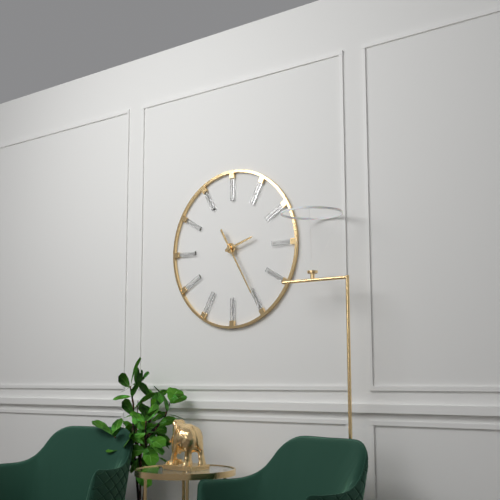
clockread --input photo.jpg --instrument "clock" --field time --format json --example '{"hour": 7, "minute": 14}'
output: {"hour": 2, "minute": 25}
